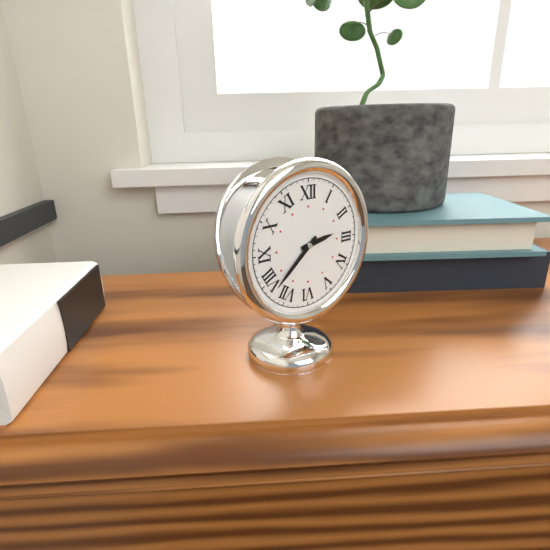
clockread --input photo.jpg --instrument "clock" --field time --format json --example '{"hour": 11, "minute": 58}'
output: {"hour": 2, "minute": 38}
